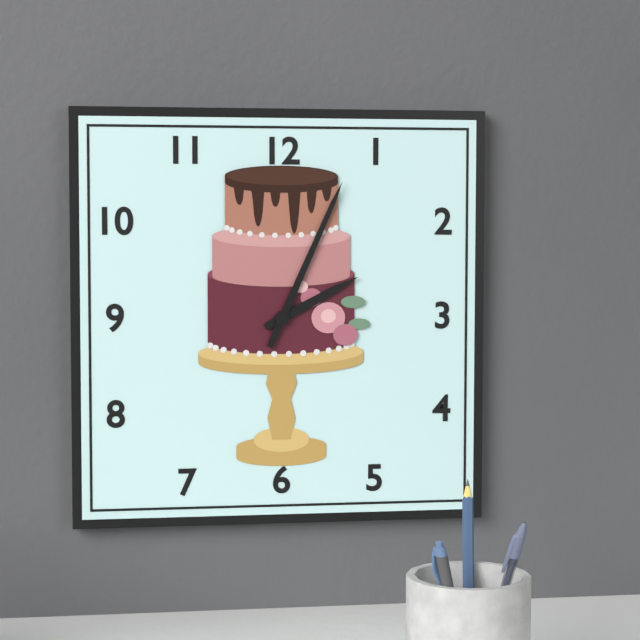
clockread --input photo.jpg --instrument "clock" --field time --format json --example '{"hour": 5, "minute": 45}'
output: {"hour": 2, "minute": 4}
